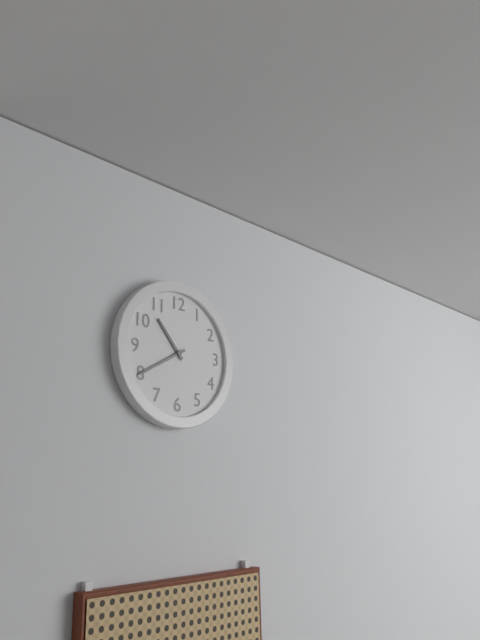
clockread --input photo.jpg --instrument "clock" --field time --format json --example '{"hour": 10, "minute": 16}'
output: {"hour": 10, "minute": 40}
